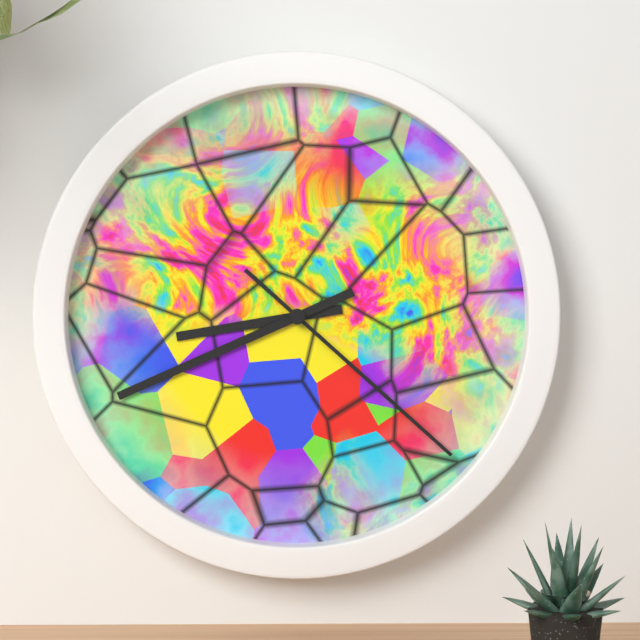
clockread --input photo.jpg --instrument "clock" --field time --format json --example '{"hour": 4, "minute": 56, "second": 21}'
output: {"hour": 8, "minute": 41, "second": 22}
